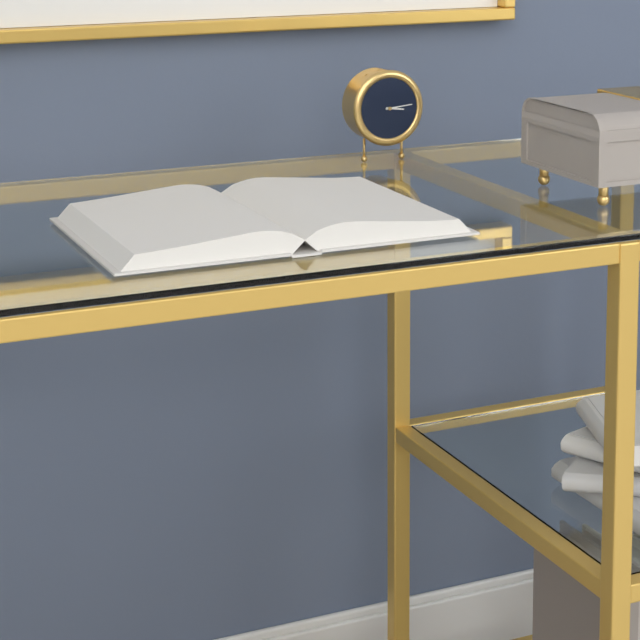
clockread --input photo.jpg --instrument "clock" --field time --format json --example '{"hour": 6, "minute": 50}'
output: {"hour": 3, "minute": 14}
